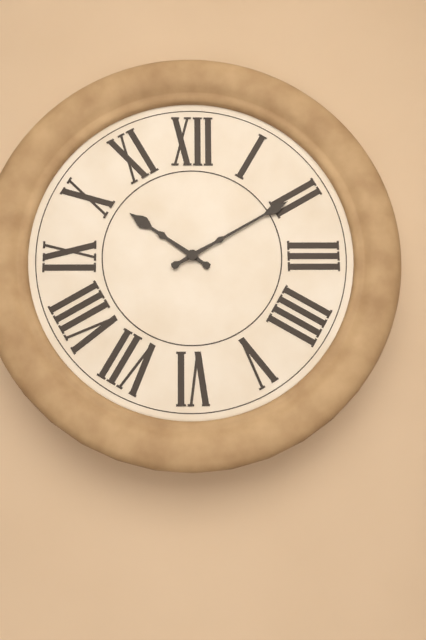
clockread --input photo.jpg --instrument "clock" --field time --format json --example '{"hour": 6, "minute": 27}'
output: {"hour": 10, "minute": 10}
